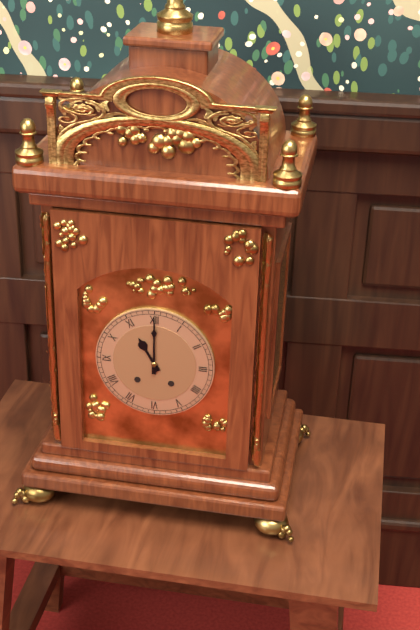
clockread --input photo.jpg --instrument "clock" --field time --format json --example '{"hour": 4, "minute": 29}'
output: {"hour": 11, "minute": 0}
